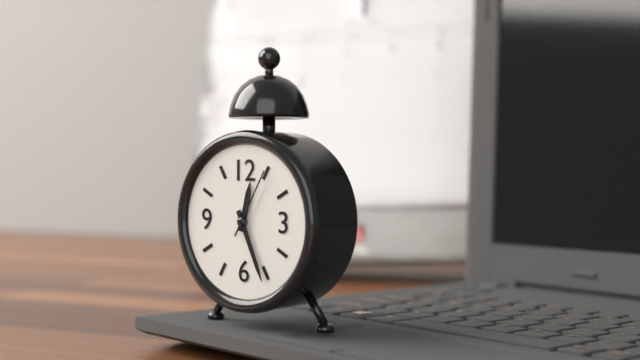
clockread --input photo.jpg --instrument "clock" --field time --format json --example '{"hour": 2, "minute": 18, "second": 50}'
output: {"hour": 12, "minute": 26, "second": 5}
